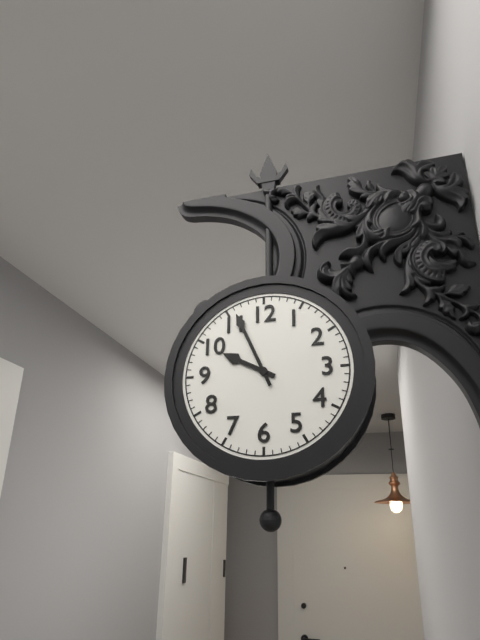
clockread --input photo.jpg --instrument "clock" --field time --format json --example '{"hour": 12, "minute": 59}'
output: {"hour": 9, "minute": 56}
